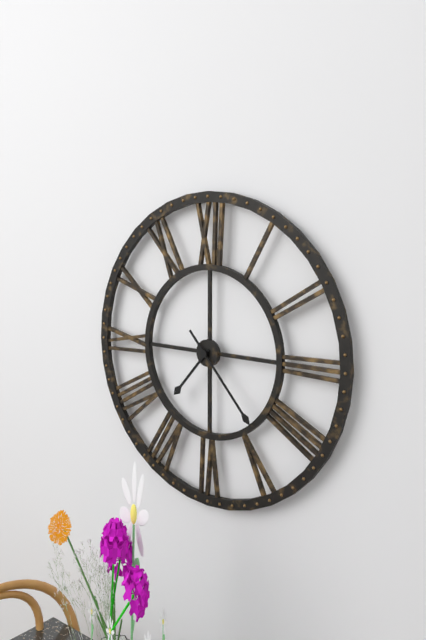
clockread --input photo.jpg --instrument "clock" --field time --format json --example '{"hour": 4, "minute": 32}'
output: {"hour": 7, "minute": 23}
